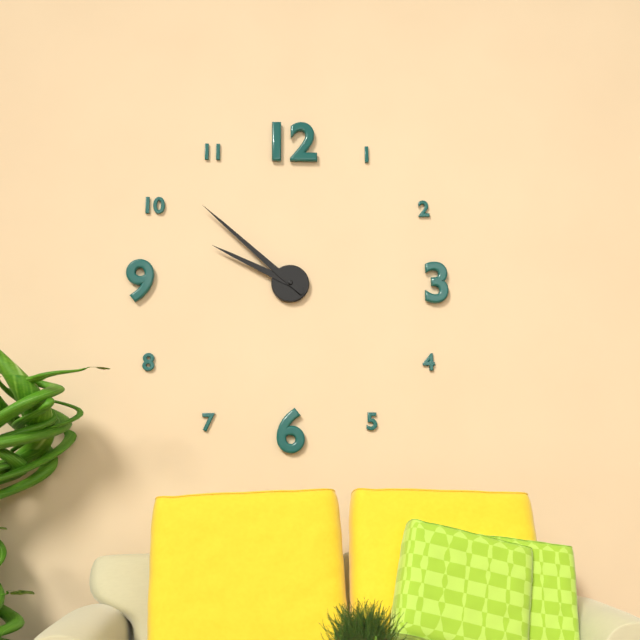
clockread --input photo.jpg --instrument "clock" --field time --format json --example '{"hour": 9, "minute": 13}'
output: {"hour": 9, "minute": 52}
